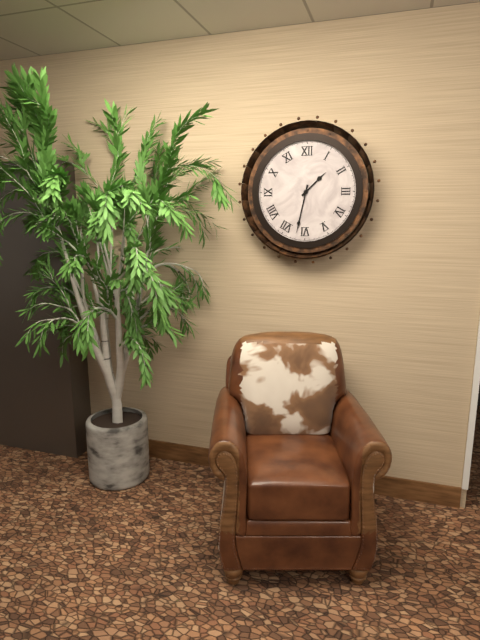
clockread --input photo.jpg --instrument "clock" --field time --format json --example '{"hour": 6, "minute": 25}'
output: {"hour": 1, "minute": 32}
